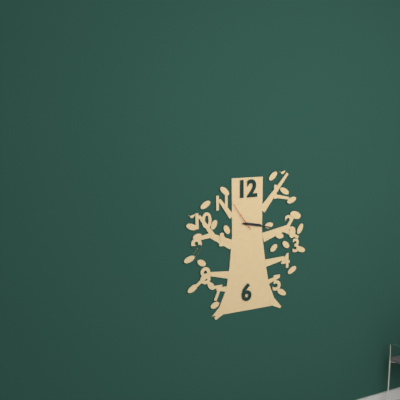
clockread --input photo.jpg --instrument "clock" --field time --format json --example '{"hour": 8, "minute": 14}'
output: {"hour": 3, "minute": 17}
